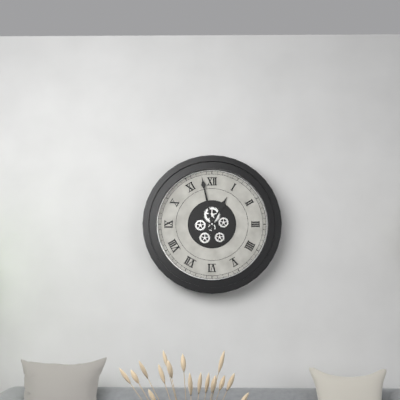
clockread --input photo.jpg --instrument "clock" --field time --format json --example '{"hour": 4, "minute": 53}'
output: {"hour": 12, "minute": 58}
